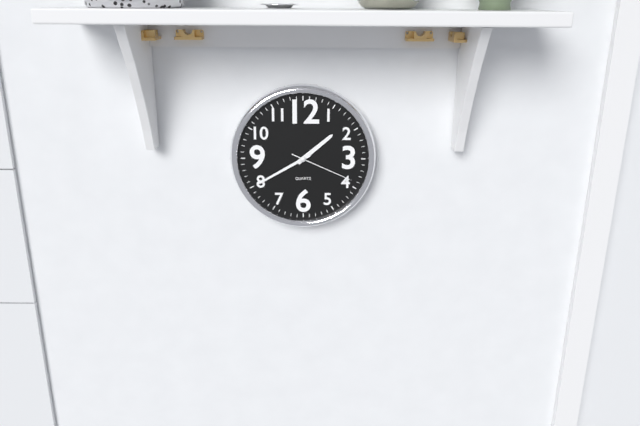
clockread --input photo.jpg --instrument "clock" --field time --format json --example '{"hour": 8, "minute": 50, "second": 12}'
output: {"hour": 1, "minute": 40, "second": 19}
